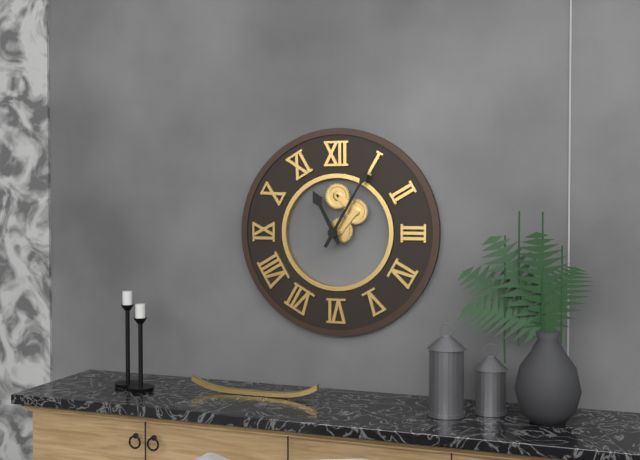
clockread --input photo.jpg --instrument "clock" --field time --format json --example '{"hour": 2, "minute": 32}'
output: {"hour": 11, "minute": 5}
